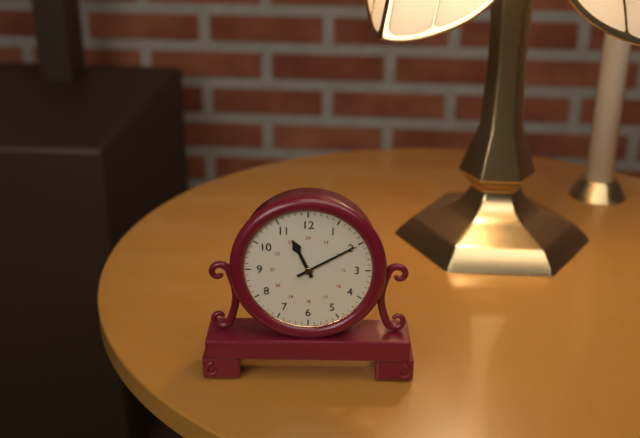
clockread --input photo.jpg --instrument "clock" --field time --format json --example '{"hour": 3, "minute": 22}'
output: {"hour": 11, "minute": 10}
